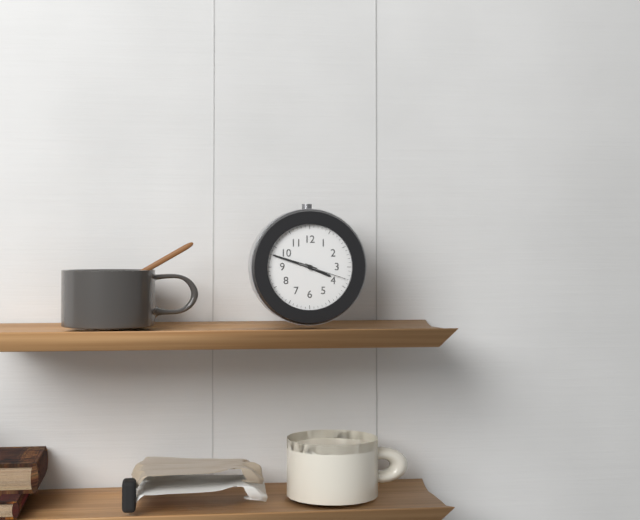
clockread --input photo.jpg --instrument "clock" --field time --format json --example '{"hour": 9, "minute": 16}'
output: {"hour": 3, "minute": 48}
